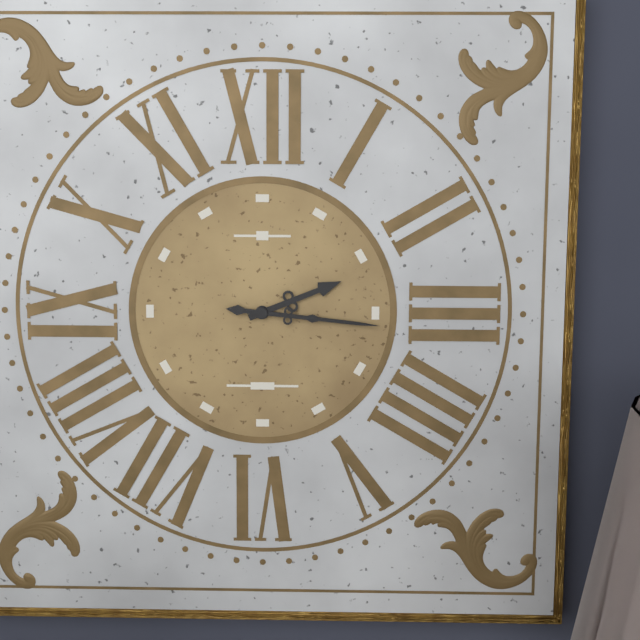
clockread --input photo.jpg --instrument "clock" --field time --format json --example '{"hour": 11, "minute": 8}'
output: {"hour": 2, "minute": 16}
